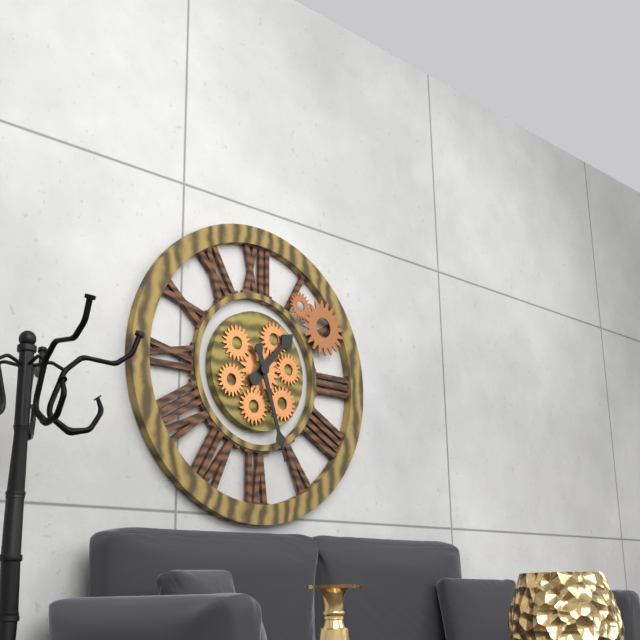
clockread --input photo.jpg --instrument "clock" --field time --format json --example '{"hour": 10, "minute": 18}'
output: {"hour": 1, "minute": 27}
